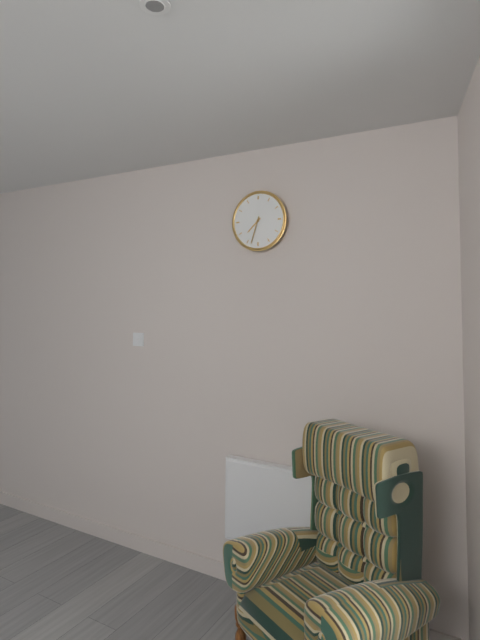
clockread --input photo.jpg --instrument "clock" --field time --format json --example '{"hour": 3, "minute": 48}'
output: {"hour": 7, "minute": 33}
